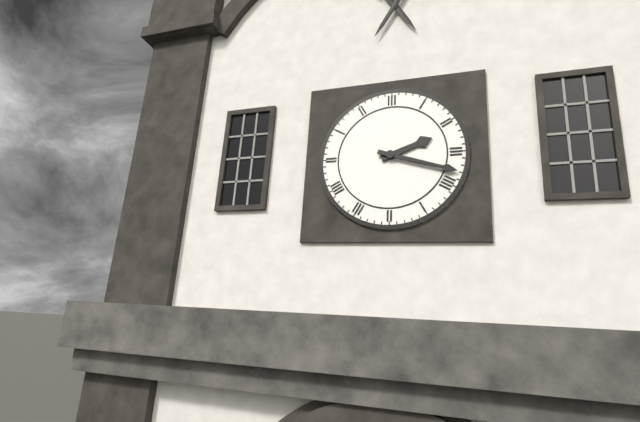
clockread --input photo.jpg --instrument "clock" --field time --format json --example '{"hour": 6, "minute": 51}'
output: {"hour": 2, "minute": 18}
